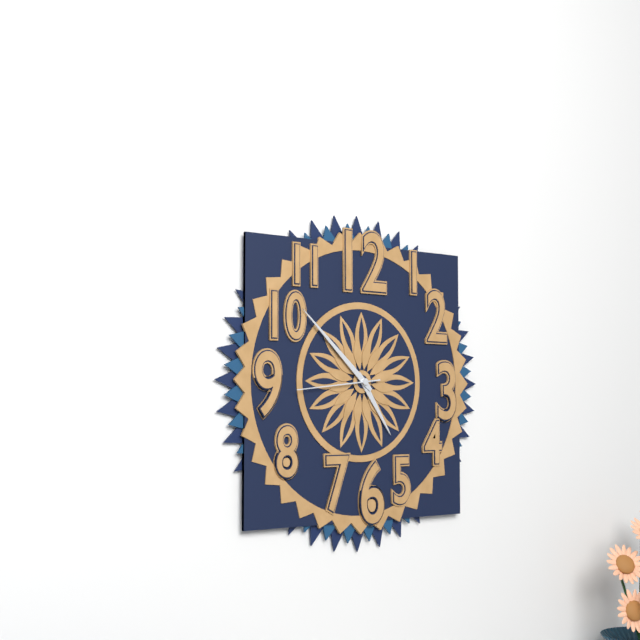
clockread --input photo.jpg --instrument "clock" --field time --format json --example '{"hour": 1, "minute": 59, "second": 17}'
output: {"hour": 4, "minute": 52, "second": 44}
